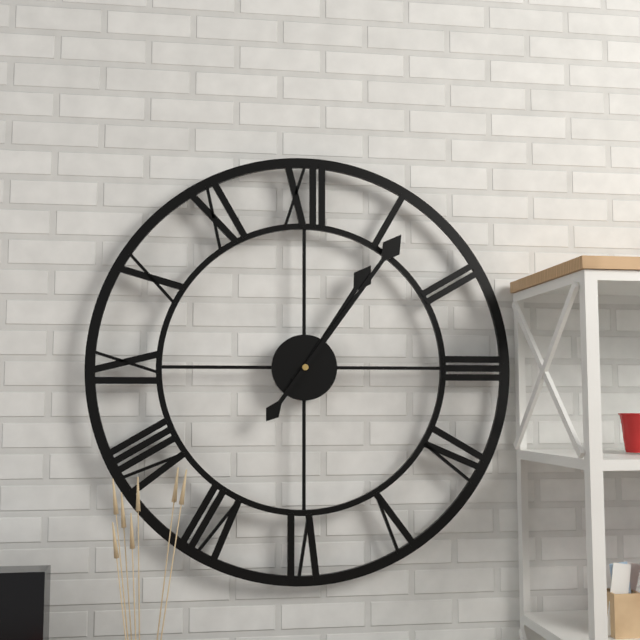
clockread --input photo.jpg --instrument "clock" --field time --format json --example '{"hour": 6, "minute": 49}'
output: {"hour": 1, "minute": 6}
